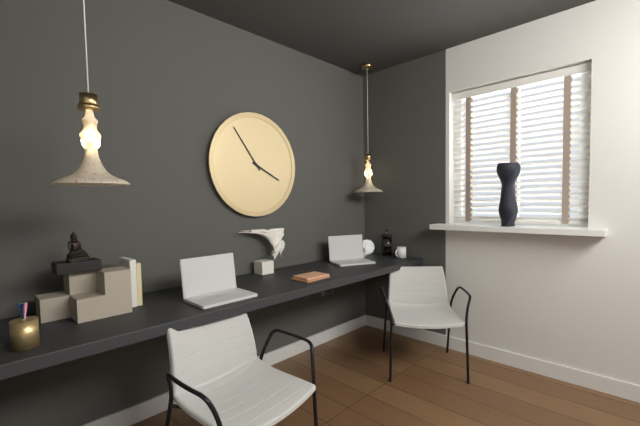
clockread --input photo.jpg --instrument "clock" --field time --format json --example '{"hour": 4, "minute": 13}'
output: {"hour": 3, "minute": 54}
